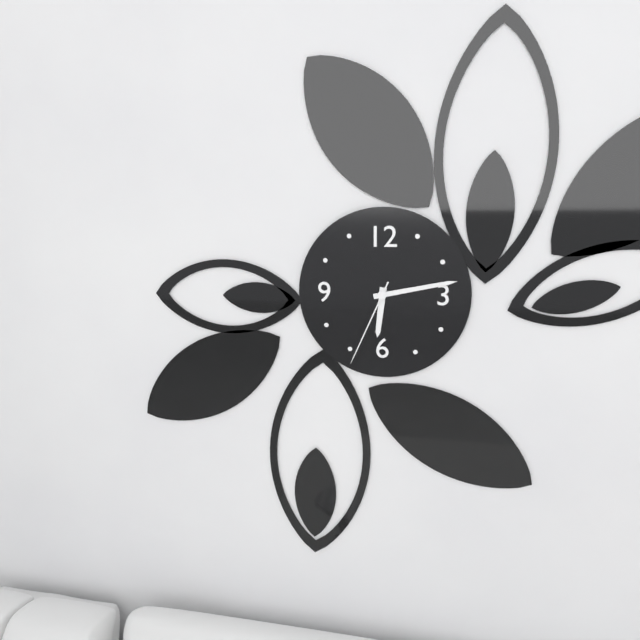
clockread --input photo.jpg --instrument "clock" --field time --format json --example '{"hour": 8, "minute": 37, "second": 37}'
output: {"hour": 6, "minute": 13, "second": 34}
